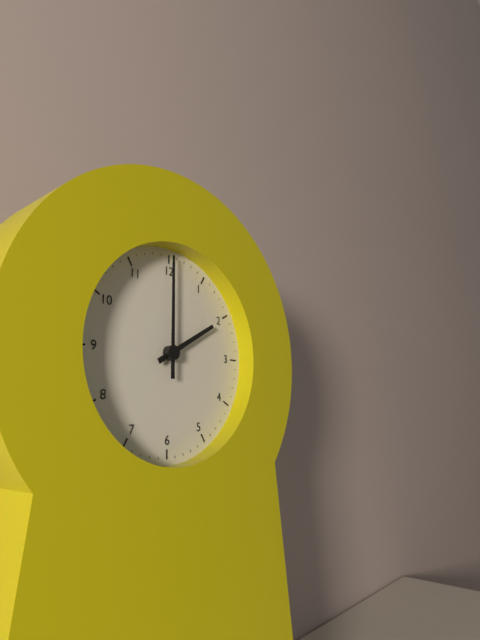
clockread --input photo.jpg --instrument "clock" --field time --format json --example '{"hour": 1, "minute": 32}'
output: {"hour": 2, "minute": 0}
